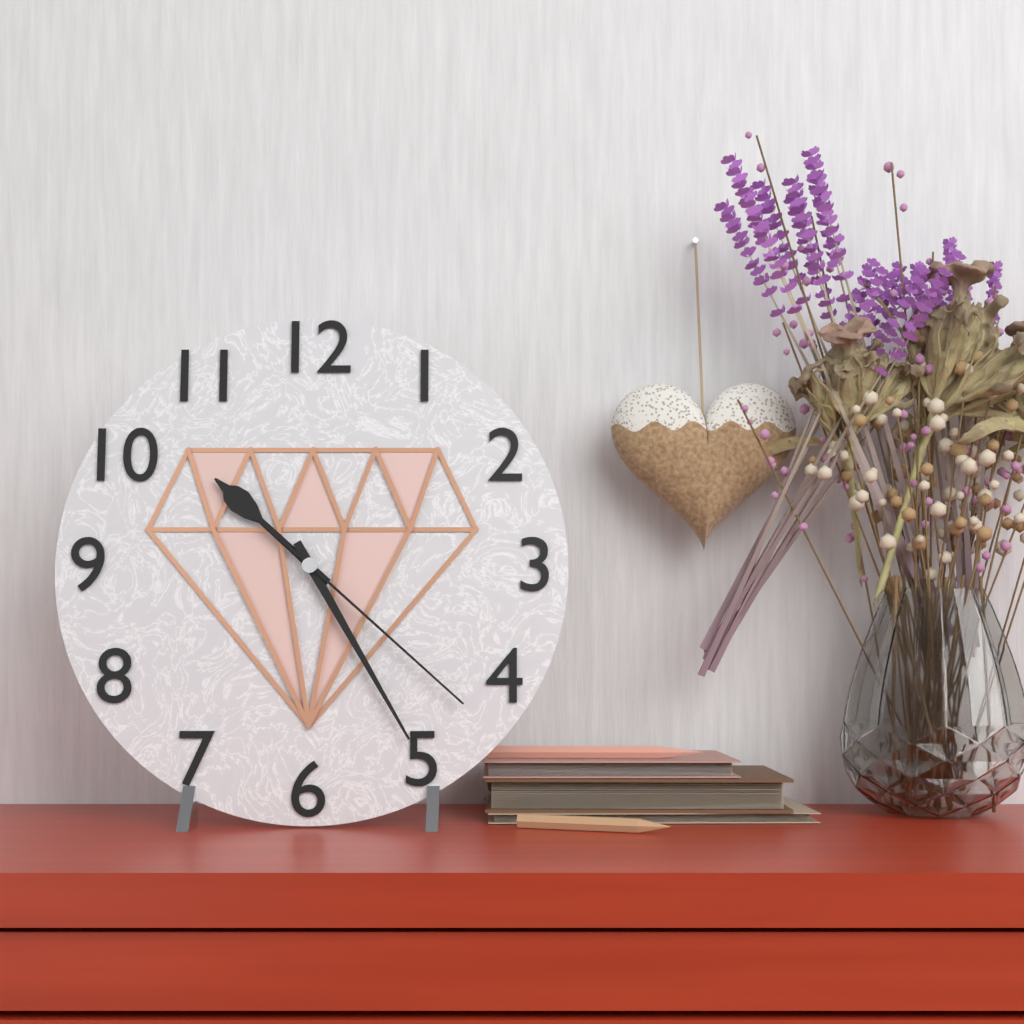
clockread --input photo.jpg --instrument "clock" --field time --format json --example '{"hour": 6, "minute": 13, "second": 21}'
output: {"hour": 10, "minute": 25, "second": 22}
